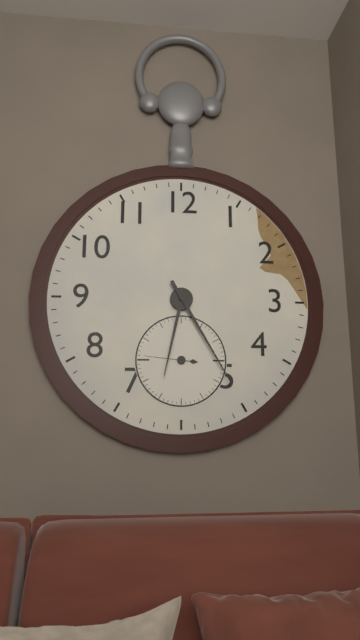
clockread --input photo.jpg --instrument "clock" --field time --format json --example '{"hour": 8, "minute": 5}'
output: {"hour": 6, "minute": 25}
